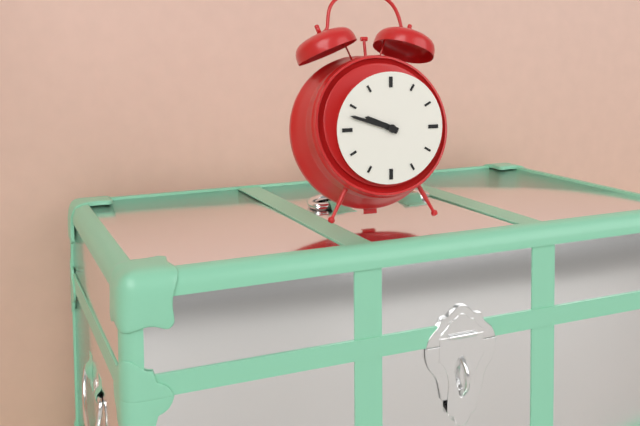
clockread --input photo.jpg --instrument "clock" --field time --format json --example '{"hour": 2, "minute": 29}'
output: {"hour": 9, "minute": 48}
